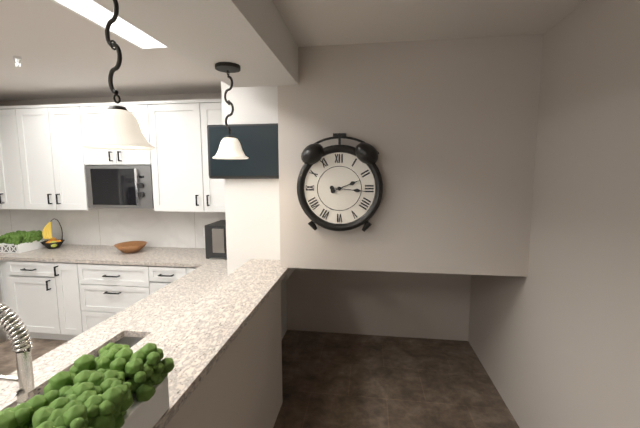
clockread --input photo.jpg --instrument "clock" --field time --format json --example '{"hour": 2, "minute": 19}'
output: {"hour": 2, "minute": 16}
